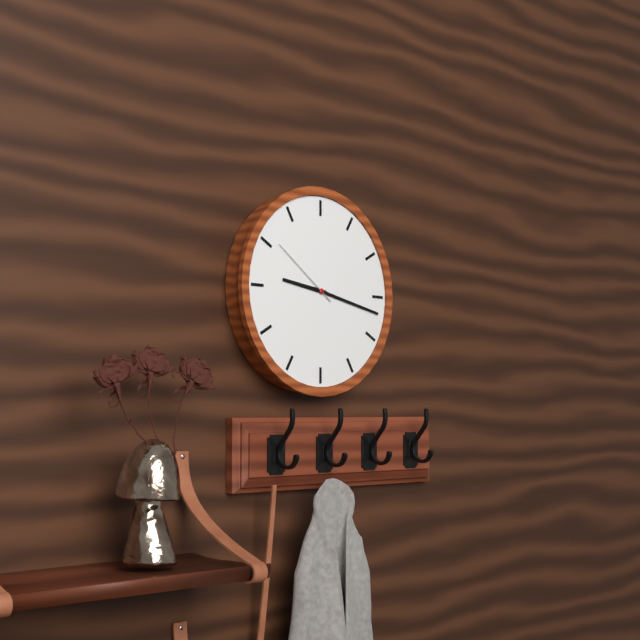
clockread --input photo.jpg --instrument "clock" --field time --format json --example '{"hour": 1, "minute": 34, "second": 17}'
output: {"hour": 9, "minute": 17, "second": 51}
